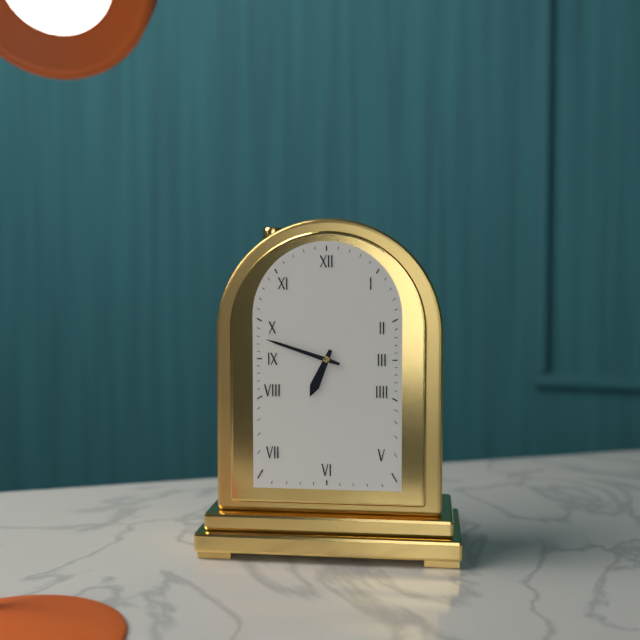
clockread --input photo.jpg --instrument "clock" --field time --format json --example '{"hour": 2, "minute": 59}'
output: {"hour": 6, "minute": 48}
